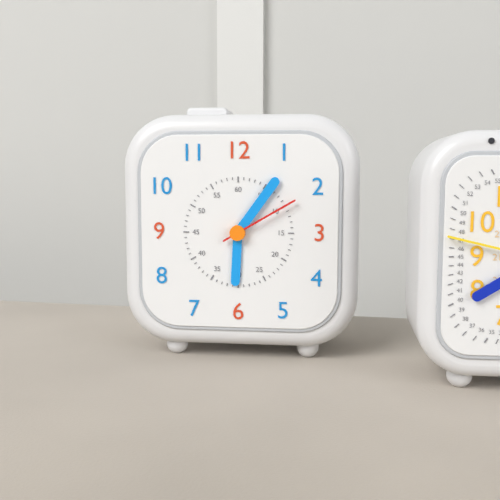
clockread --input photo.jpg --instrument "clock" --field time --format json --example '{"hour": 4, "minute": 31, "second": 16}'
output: {"hour": 6, "minute": 6, "second": 10}
